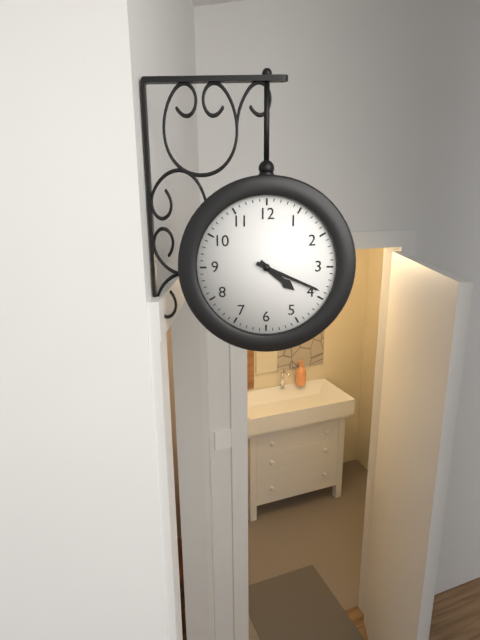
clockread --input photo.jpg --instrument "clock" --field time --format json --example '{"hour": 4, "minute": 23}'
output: {"hour": 4, "minute": 19}
